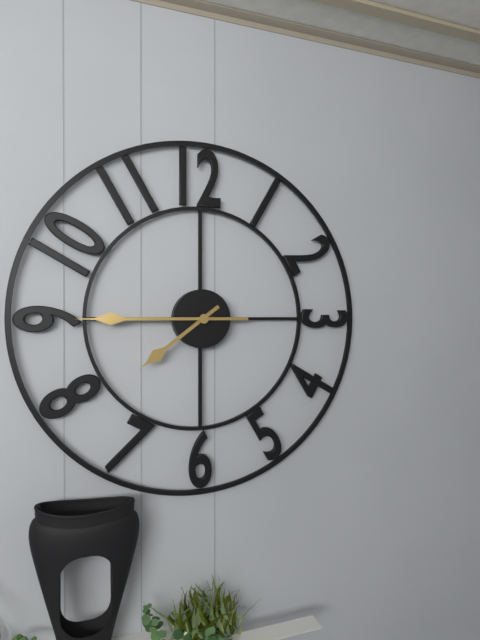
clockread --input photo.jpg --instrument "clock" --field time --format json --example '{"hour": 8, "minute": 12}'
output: {"hour": 7, "minute": 45}
